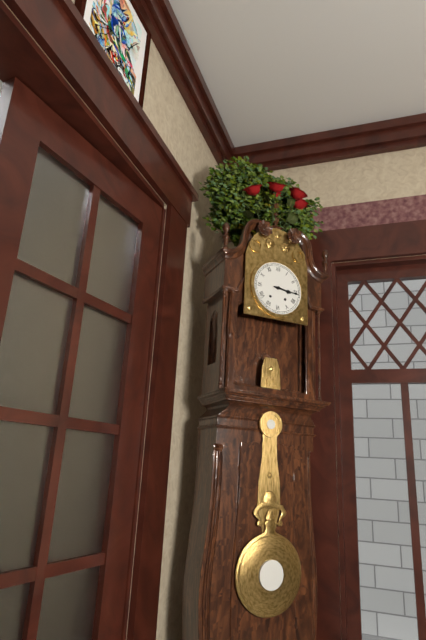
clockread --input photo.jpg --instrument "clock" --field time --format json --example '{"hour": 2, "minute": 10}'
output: {"hour": 3, "minute": 16}
